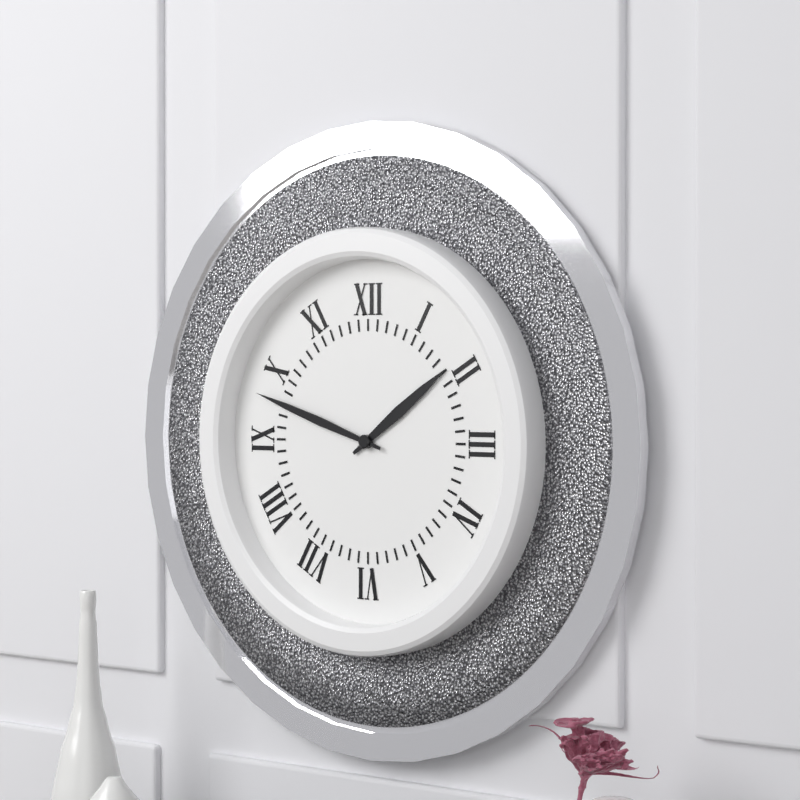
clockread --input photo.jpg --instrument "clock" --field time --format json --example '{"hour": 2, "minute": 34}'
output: {"hour": 1, "minute": 48}
